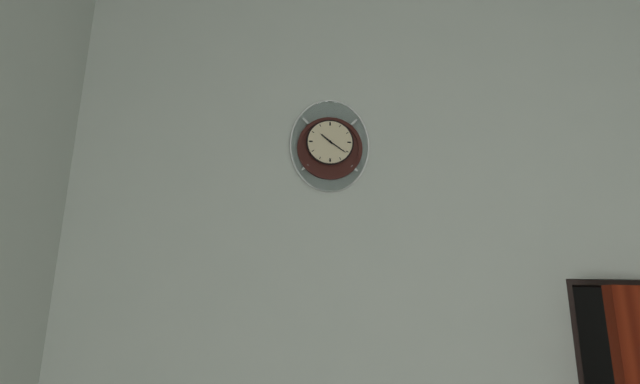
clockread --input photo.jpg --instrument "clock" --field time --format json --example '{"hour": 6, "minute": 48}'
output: {"hour": 10, "minute": 21}
